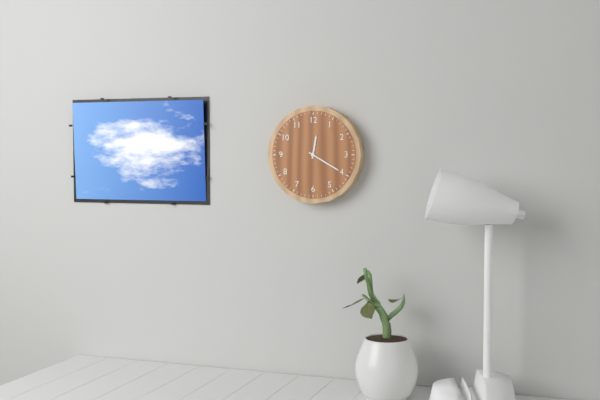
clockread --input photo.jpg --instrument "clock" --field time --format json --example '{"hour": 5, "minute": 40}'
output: {"hour": 12, "minute": 20}
